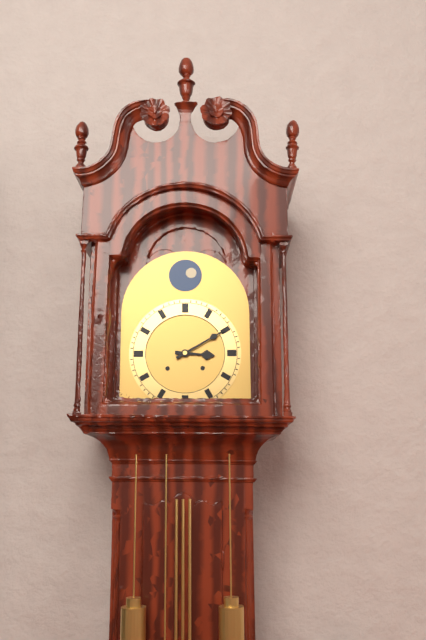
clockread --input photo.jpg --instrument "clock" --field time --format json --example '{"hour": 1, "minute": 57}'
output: {"hour": 3, "minute": 10}
